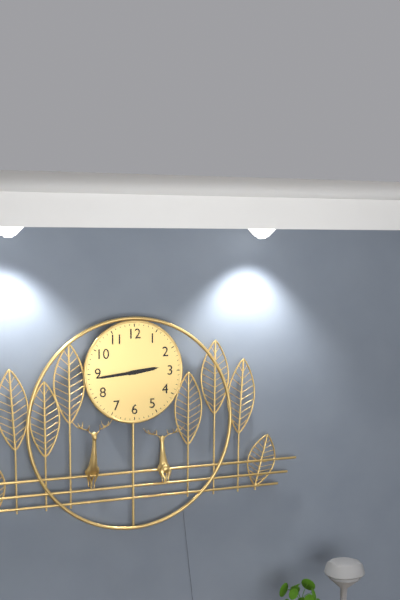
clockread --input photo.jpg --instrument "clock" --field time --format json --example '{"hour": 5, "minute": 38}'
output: {"hour": 2, "minute": 44}
